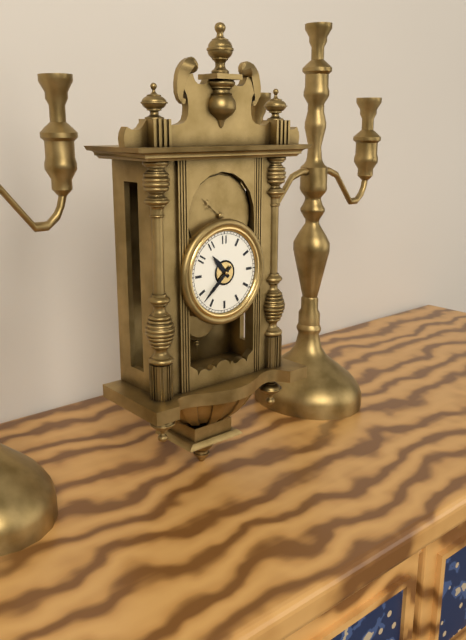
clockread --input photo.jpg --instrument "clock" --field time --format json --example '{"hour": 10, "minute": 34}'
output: {"hour": 10, "minute": 38}
